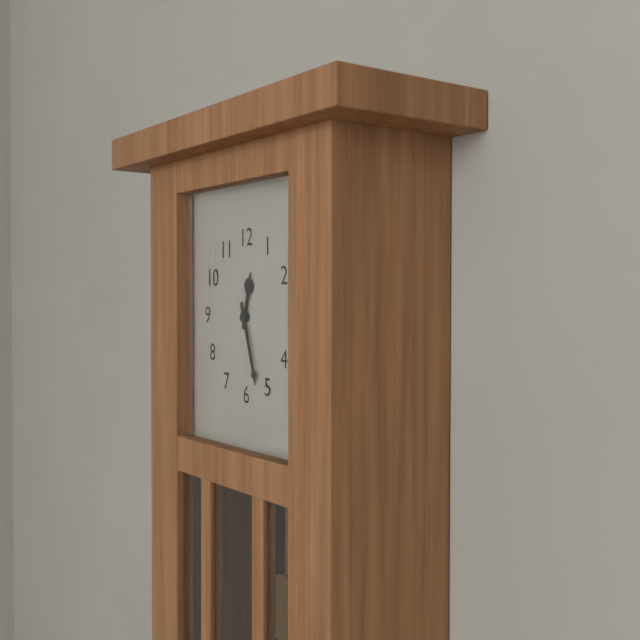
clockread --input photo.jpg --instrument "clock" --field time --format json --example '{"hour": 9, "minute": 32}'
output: {"hour": 12, "minute": 27}
